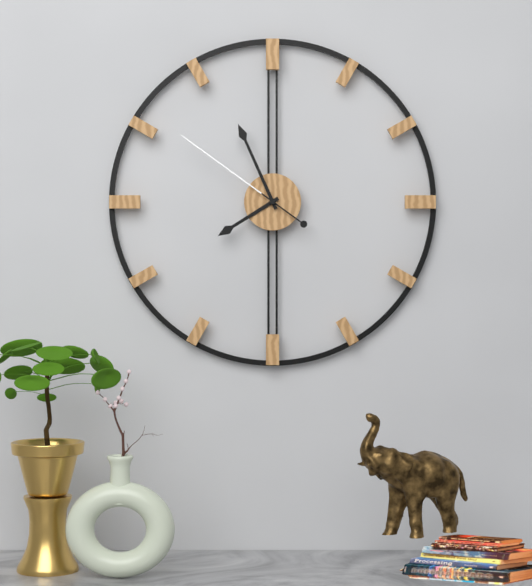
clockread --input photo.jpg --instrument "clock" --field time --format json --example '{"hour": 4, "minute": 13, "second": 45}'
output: {"hour": 7, "minute": 56, "second": 51}
